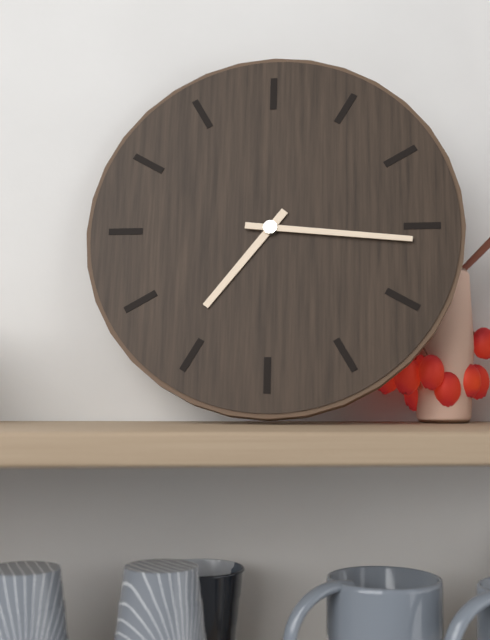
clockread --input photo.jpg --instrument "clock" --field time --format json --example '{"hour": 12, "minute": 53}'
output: {"hour": 7, "minute": 16}
